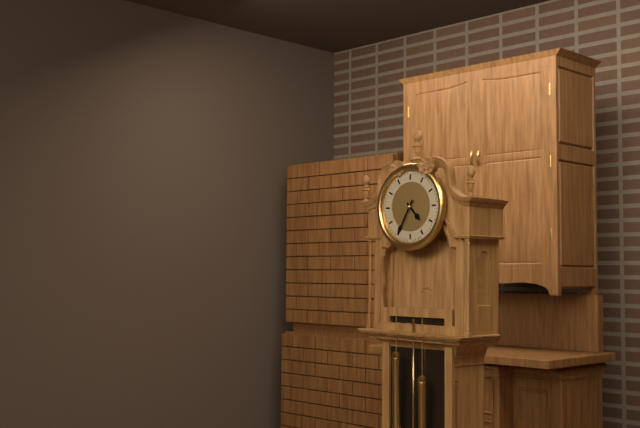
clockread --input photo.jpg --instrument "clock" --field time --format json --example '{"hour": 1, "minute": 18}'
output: {"hour": 4, "minute": 35}
